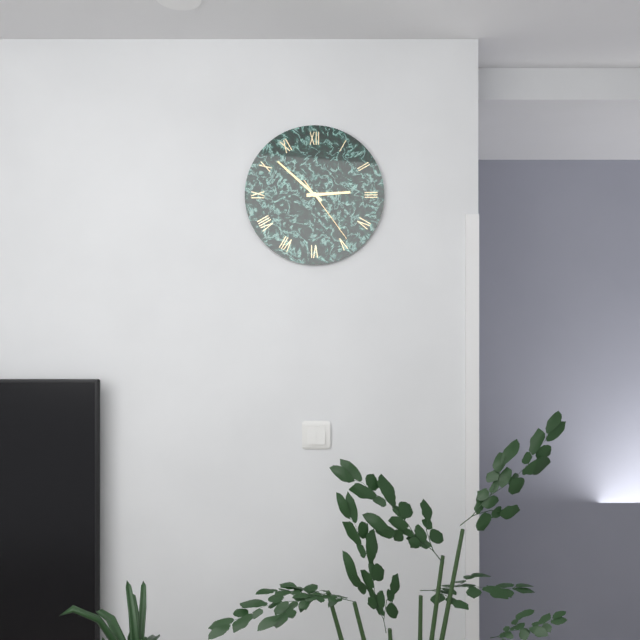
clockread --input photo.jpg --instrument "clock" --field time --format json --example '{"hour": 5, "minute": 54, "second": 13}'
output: {"hour": 2, "minute": 52, "second": 24}
